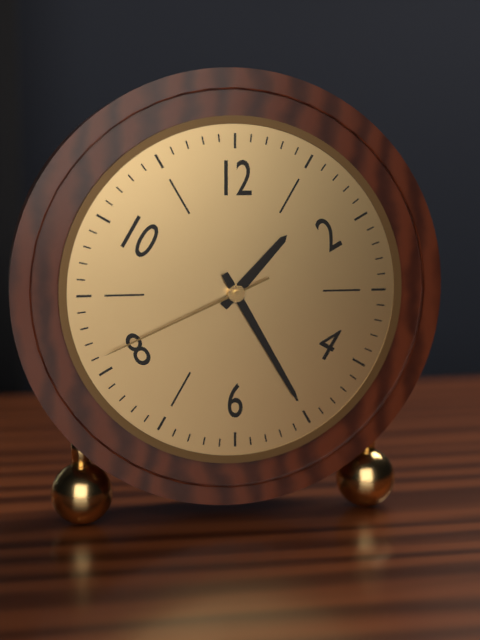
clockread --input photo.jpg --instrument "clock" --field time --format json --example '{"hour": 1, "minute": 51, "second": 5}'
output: {"hour": 1, "minute": 25, "second": 41}
